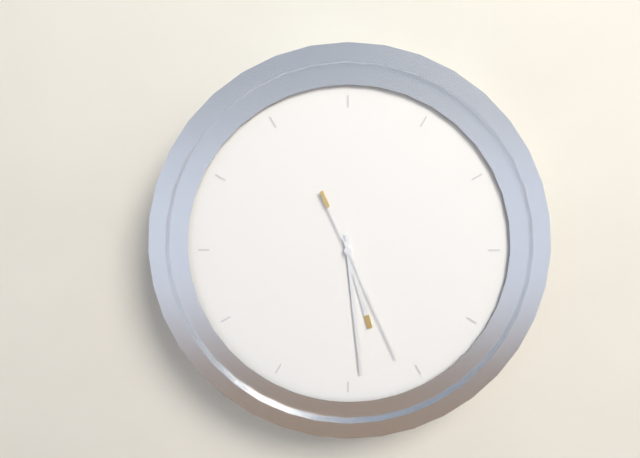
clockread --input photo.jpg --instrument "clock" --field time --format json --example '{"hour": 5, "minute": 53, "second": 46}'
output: {"hour": 5, "minute": 29, "second": 26}
